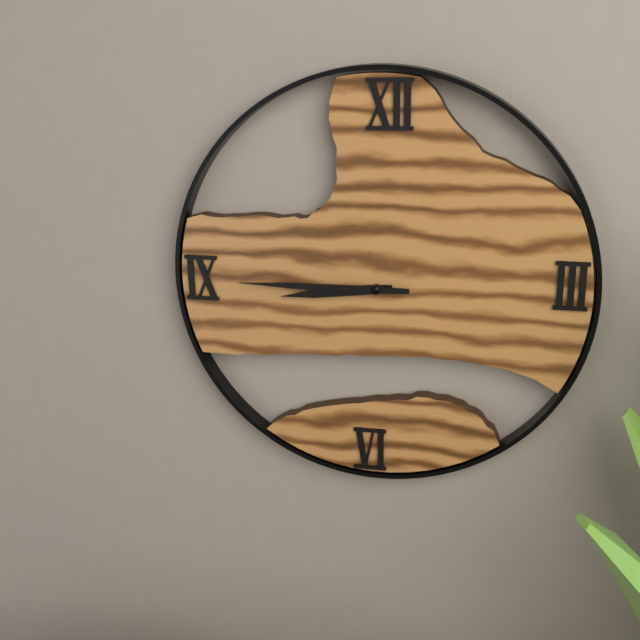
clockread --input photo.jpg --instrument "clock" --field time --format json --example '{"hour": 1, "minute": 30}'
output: {"hour": 8, "minute": 45}
